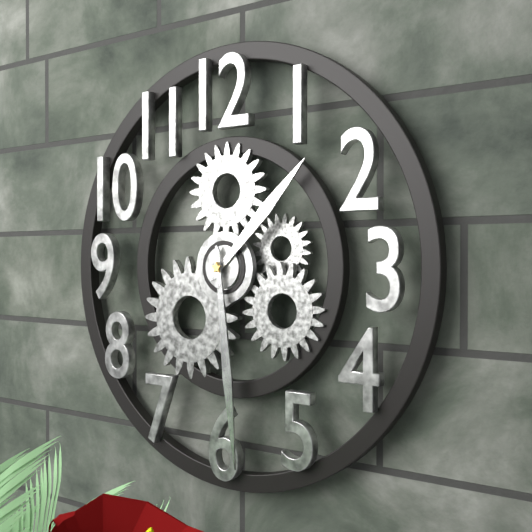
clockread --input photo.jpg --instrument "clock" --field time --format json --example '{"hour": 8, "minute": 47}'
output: {"hour": 1, "minute": 29}
